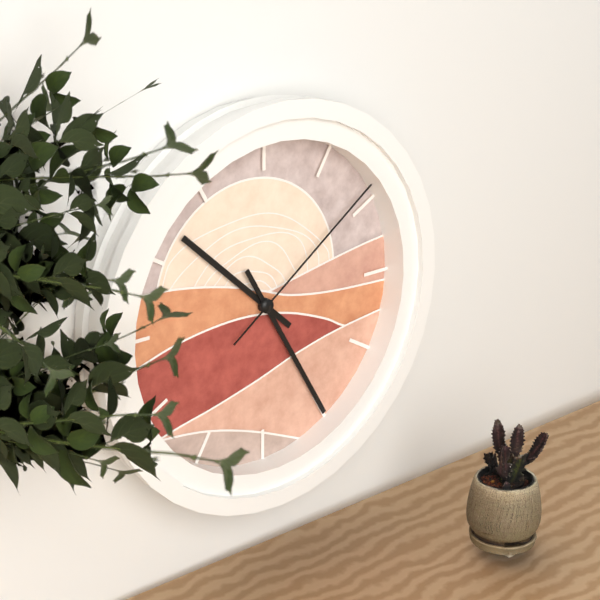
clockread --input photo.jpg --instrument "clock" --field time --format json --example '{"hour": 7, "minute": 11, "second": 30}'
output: {"hour": 10, "minute": 25, "second": 9}
